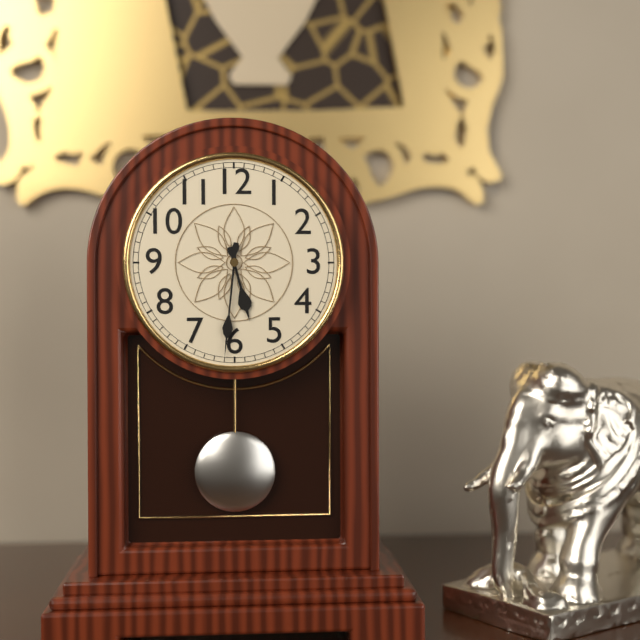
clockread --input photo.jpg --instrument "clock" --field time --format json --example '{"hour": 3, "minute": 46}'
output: {"hour": 5, "minute": 31}
